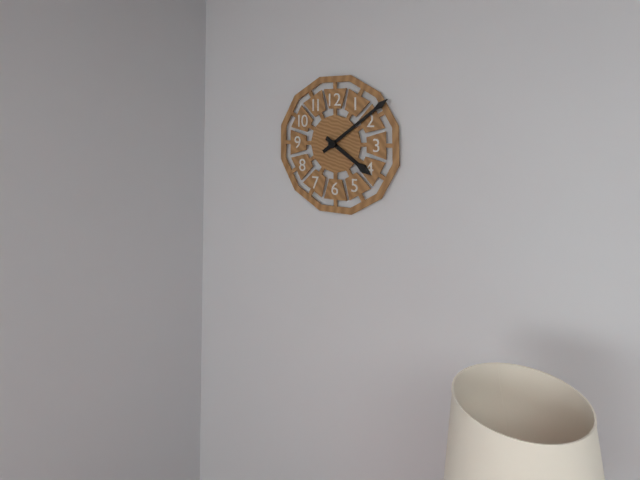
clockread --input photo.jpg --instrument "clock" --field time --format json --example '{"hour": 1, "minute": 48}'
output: {"hour": 4, "minute": 9}
